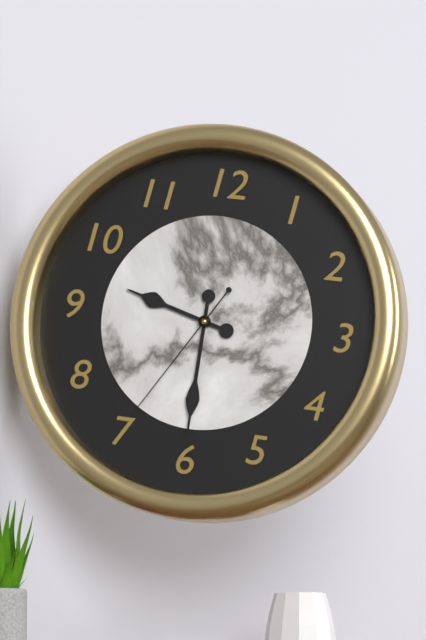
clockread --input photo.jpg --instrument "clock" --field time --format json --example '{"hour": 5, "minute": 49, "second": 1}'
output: {"hour": 9, "minute": 30, "second": 35}
